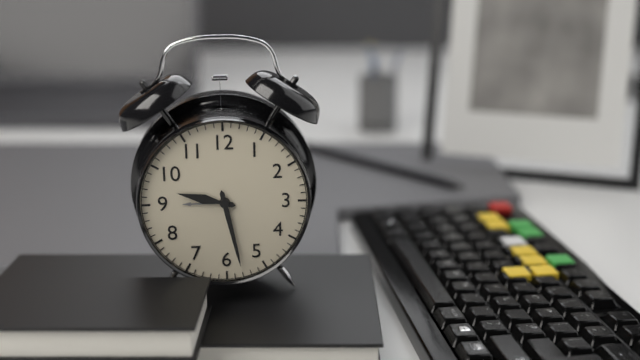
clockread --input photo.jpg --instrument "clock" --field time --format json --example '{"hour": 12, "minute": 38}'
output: {"hour": 9, "minute": 28}
